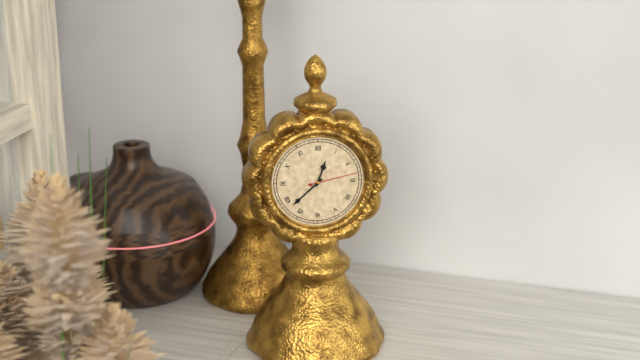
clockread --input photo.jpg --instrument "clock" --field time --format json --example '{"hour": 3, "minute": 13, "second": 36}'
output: {"hour": 12, "minute": 38, "second": 13}
